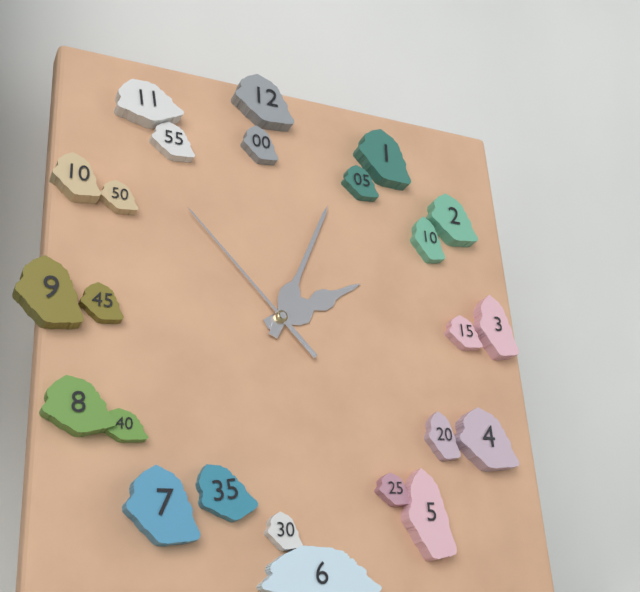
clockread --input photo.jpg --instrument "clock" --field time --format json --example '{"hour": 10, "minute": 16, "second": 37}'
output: {"hour": 2, "minute": 4, "second": 53}
